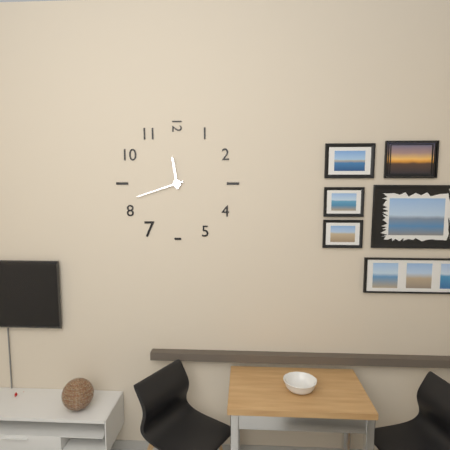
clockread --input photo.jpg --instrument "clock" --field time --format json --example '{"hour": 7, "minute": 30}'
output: {"hour": 11, "minute": 42}
